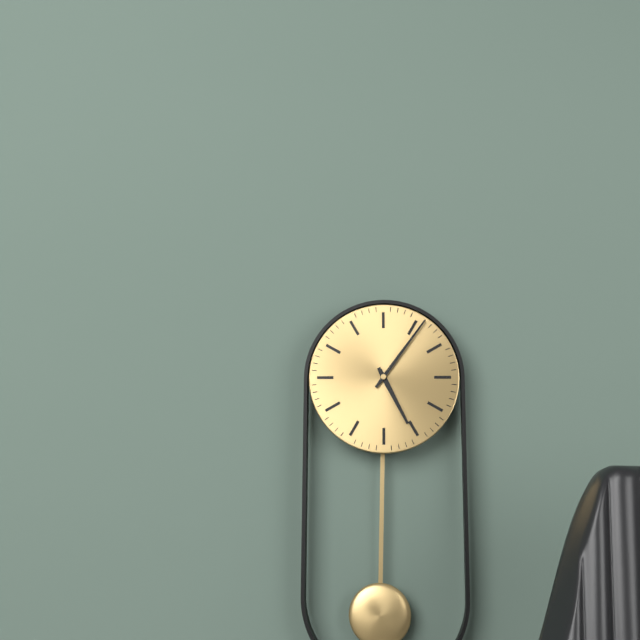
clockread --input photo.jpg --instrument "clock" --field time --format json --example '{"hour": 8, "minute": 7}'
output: {"hour": 5, "minute": 6}
